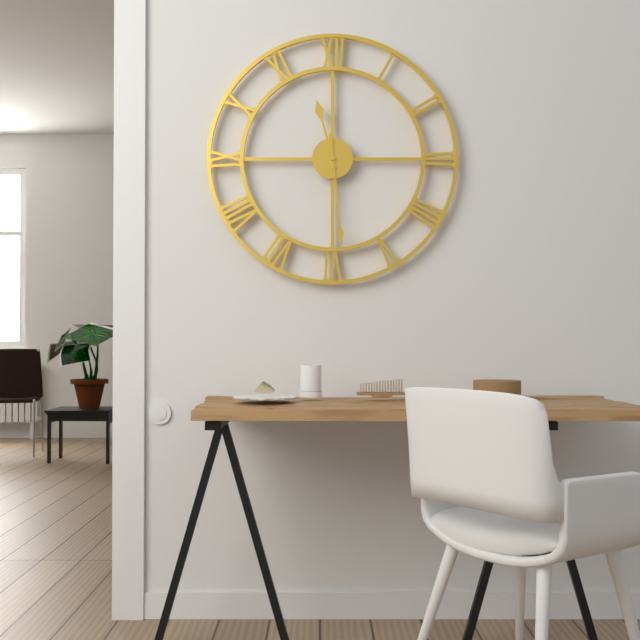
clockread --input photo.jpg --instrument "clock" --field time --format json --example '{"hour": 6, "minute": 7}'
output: {"hour": 11, "minute": 29}
